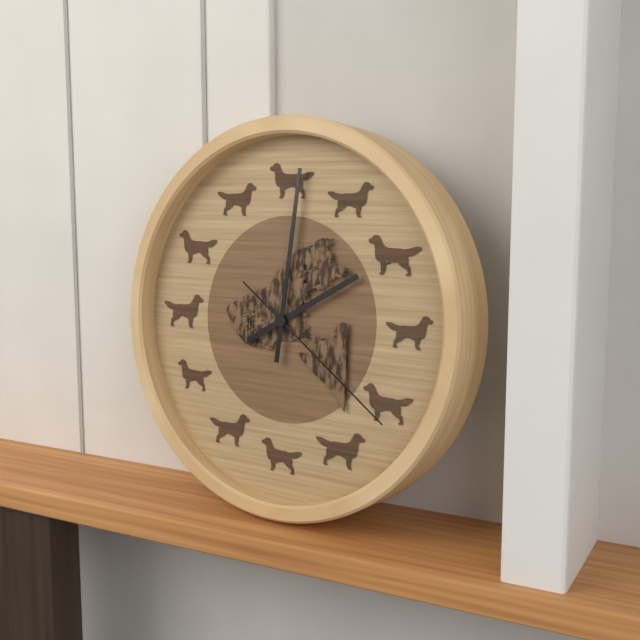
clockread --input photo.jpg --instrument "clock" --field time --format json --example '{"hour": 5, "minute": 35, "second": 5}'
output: {"hour": 2, "minute": 1, "second": 21}
